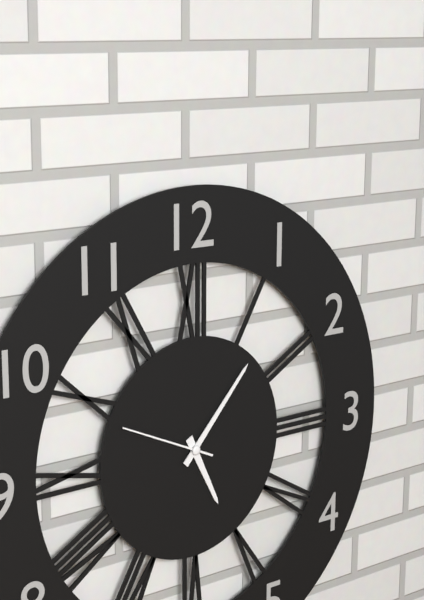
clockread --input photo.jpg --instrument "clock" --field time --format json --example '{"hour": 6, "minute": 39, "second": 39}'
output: {"hour": 5, "minute": 7, "second": 49}
